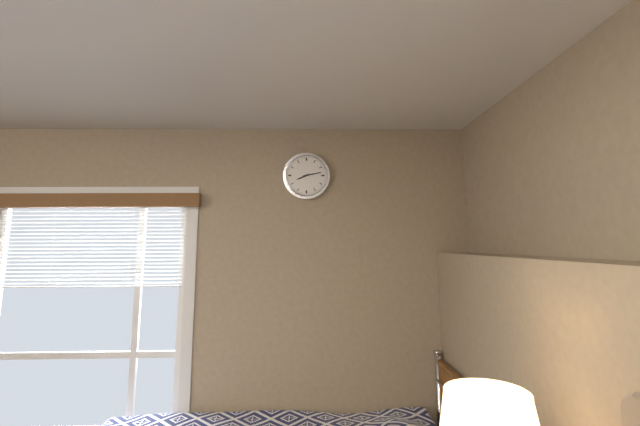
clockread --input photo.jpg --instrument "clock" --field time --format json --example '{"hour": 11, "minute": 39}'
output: {"hour": 8, "minute": 13}
